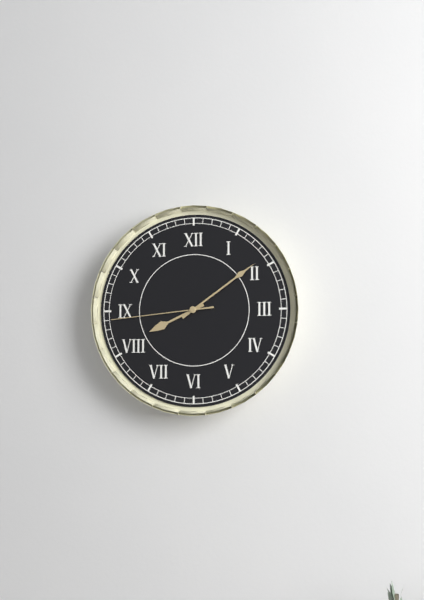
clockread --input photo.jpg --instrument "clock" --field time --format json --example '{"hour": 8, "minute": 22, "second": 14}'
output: {"hour": 8, "minute": 9, "second": 44}
